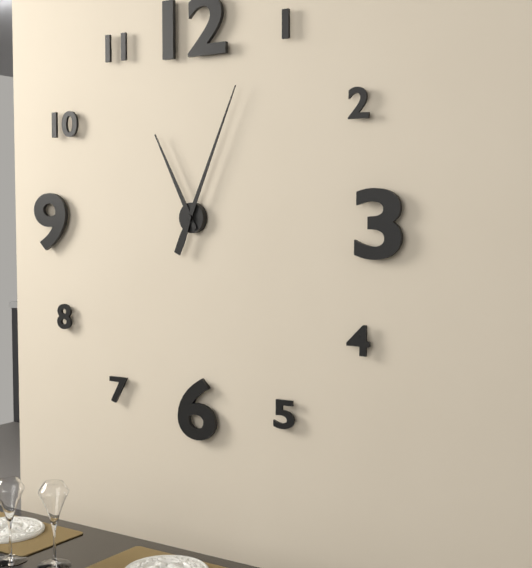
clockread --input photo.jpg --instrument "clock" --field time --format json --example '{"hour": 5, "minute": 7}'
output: {"hour": 11, "minute": 4}
